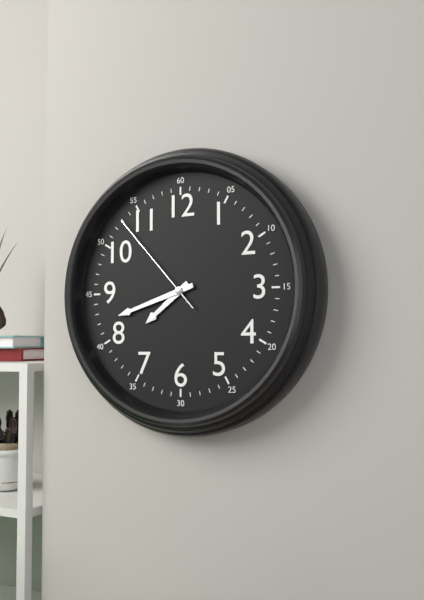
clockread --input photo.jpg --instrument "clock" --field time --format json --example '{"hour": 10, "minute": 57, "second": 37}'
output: {"hour": 7, "minute": 42, "second": 53}
